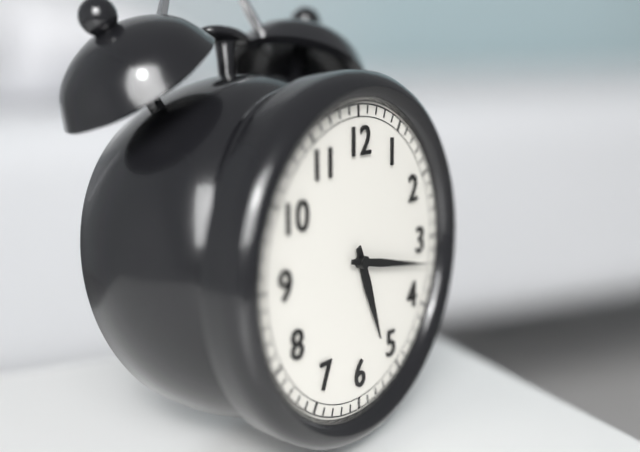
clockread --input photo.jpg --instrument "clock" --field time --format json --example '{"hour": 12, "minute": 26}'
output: {"hour": 5, "minute": 17}
